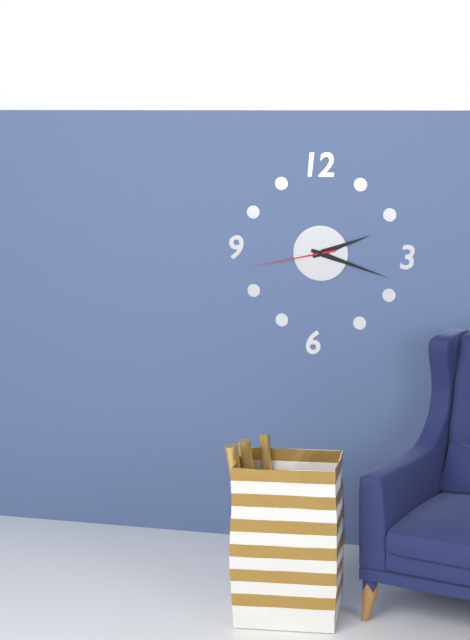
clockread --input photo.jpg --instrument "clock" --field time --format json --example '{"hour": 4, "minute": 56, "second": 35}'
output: {"hour": 2, "minute": 18, "second": 43}
